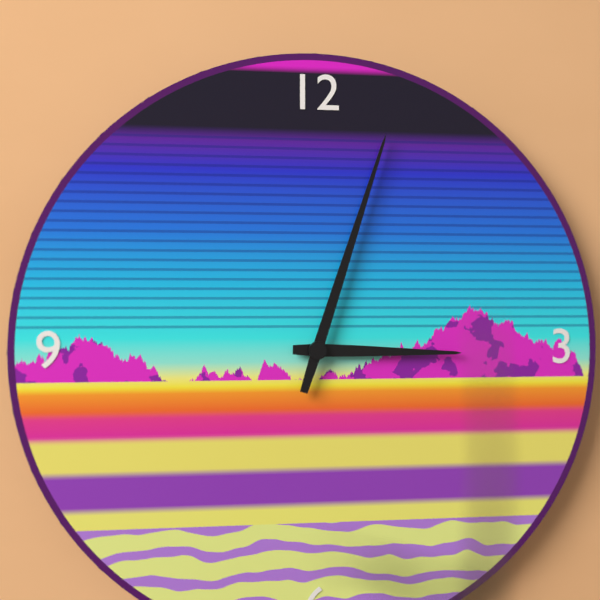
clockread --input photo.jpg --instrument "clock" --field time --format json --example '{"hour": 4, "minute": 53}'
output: {"hour": 3, "minute": 3}
